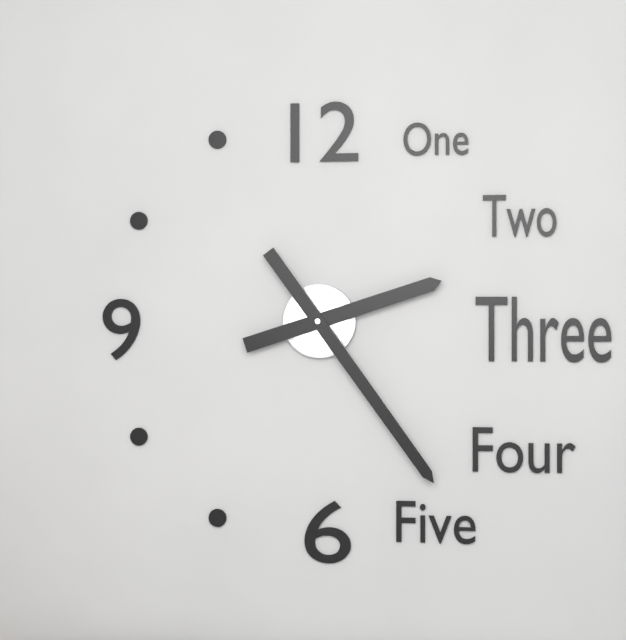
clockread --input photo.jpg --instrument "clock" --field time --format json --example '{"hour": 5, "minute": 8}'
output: {"hour": 2, "minute": 24}
